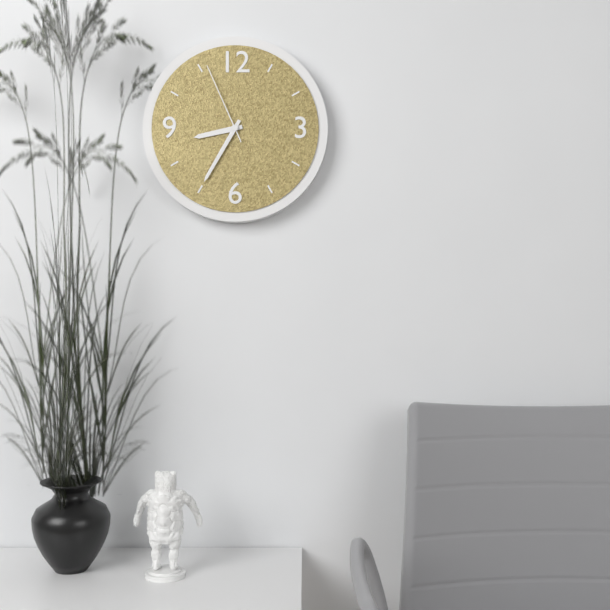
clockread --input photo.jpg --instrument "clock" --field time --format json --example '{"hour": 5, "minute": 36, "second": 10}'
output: {"hour": 8, "minute": 35, "second": 56}
